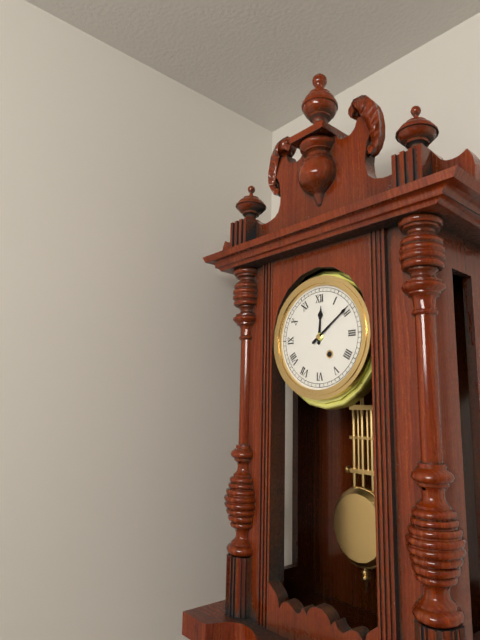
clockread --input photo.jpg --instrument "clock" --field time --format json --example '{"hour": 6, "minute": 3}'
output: {"hour": 12, "minute": 9}
